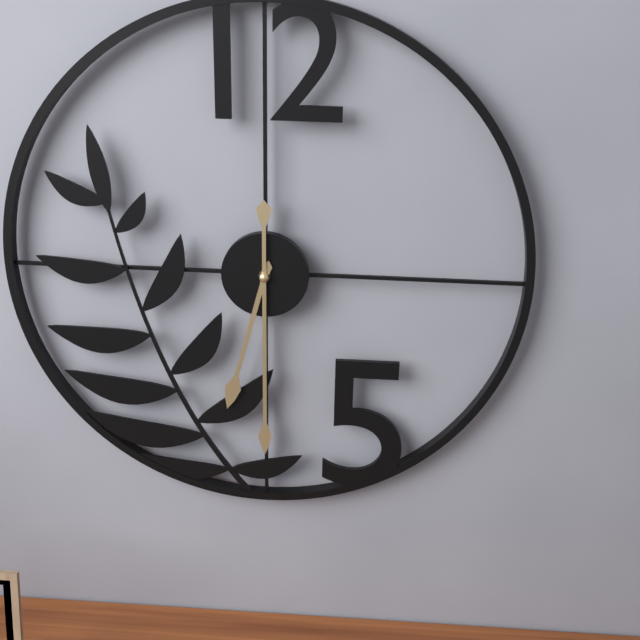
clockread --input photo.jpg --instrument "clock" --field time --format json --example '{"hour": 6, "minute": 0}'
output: {"hour": 6, "minute": 30}
